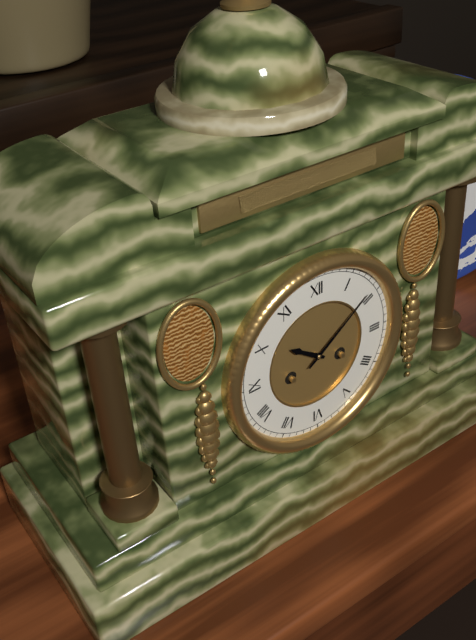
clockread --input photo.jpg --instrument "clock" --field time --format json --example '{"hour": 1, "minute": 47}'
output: {"hour": 10, "minute": 9}
